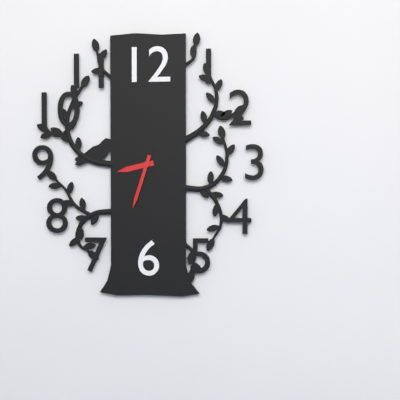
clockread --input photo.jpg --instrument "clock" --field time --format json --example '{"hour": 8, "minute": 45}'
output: {"hour": 8, "minute": 33}
